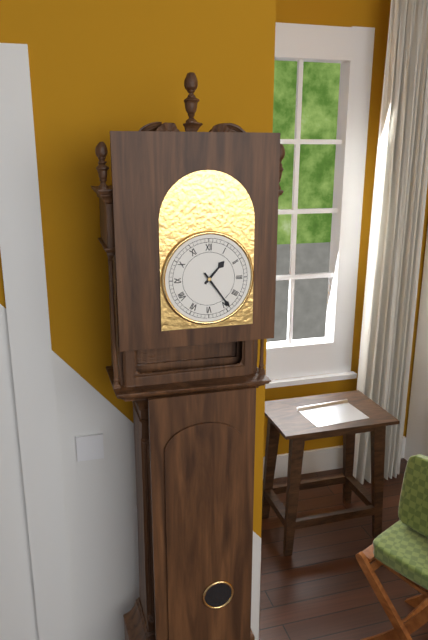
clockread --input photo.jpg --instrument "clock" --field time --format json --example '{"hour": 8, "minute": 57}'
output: {"hour": 1, "minute": 24}
